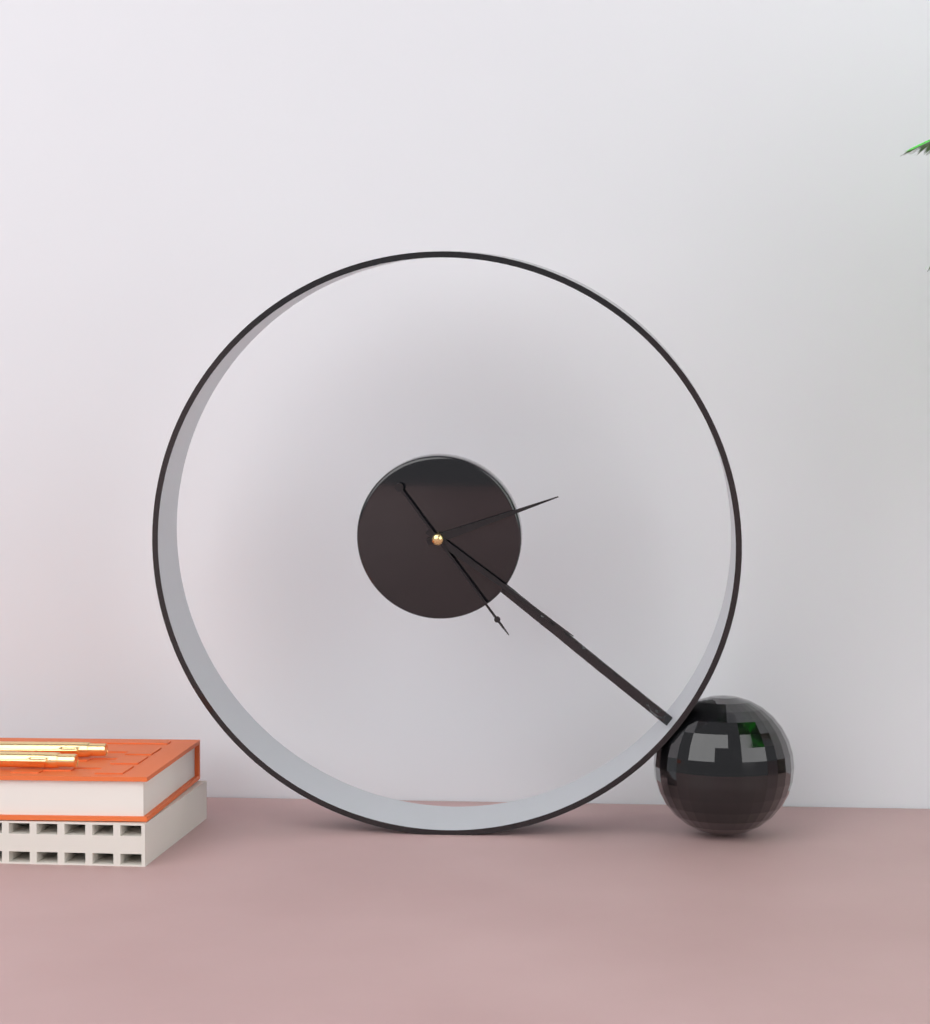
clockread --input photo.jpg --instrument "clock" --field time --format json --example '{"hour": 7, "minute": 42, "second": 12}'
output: {"hour": 2, "minute": 21, "second": 24}
